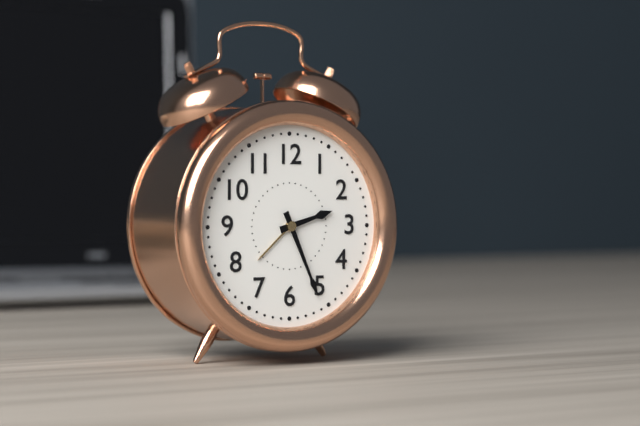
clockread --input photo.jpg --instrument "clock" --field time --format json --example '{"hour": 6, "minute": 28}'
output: {"hour": 2, "minute": 26}
